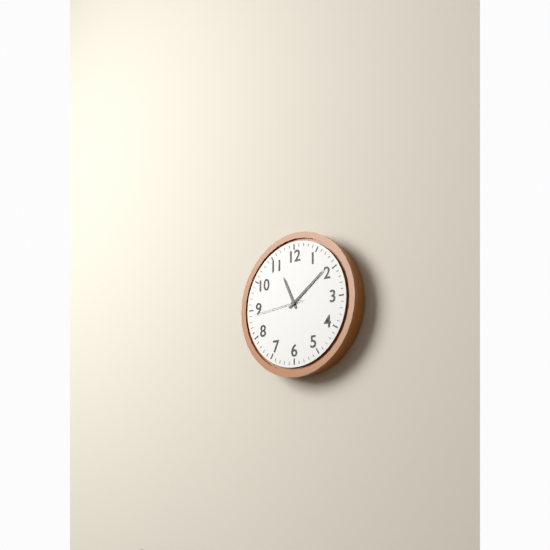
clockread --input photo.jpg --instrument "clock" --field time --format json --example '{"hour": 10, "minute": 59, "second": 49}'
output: {"hour": 11, "minute": 9, "second": 44}
